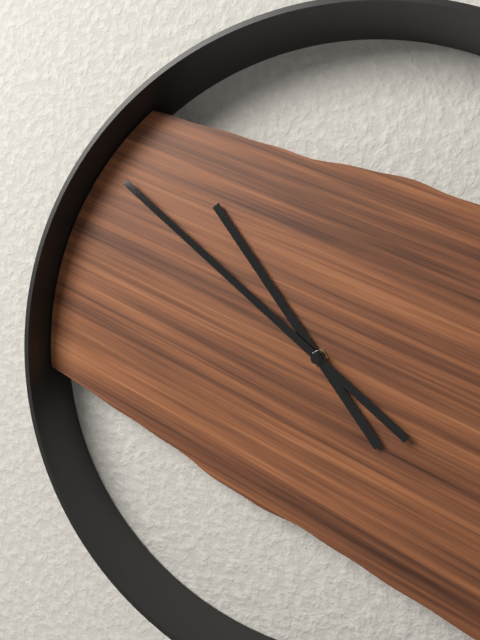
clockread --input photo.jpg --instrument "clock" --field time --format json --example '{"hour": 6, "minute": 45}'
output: {"hour": 10, "minute": 52}
